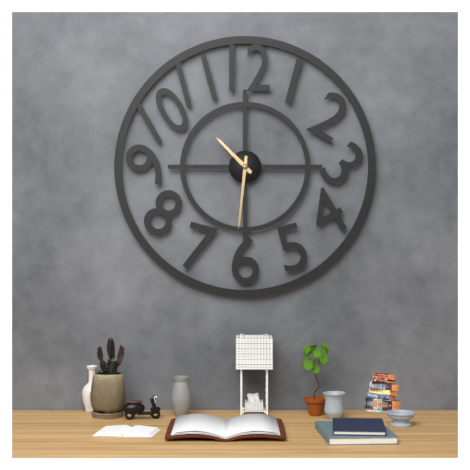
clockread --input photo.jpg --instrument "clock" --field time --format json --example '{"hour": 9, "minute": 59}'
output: {"hour": 10, "minute": 31}
